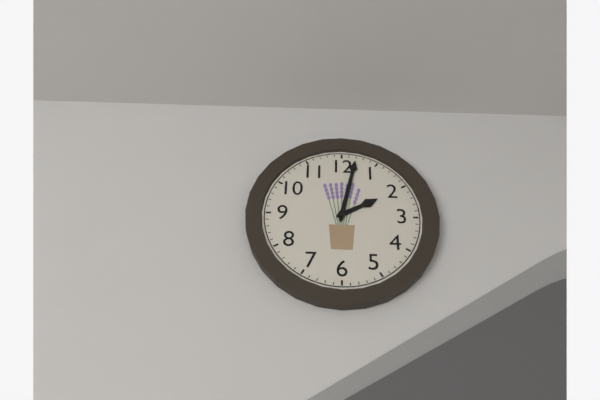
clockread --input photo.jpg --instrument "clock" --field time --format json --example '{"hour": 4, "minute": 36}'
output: {"hour": 2, "minute": 2}
